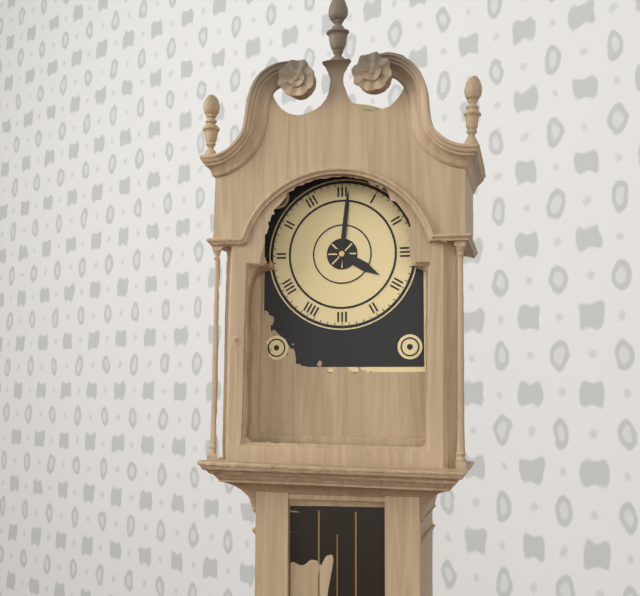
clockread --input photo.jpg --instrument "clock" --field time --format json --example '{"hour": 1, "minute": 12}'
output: {"hour": 4, "minute": 1}
